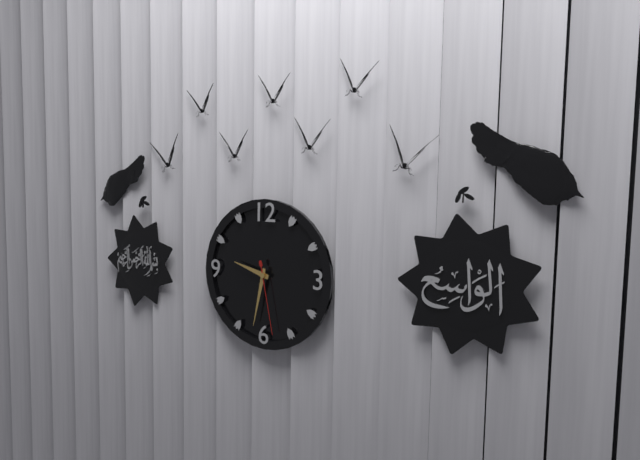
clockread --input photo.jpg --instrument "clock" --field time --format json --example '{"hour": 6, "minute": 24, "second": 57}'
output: {"hour": 9, "minute": 32, "second": 28}
